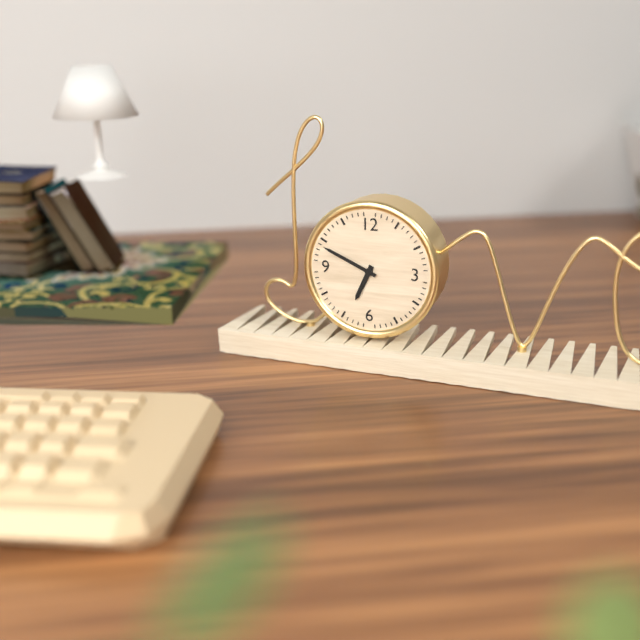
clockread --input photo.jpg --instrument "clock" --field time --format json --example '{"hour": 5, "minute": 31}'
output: {"hour": 6, "minute": 49}
